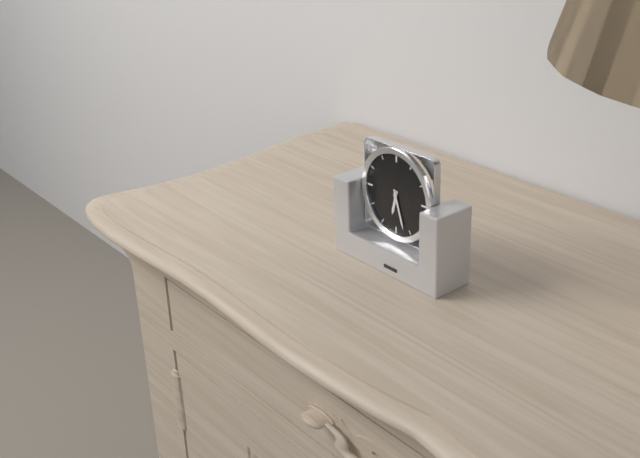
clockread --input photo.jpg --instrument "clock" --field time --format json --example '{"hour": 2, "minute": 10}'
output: {"hour": 6, "minute": 27}
